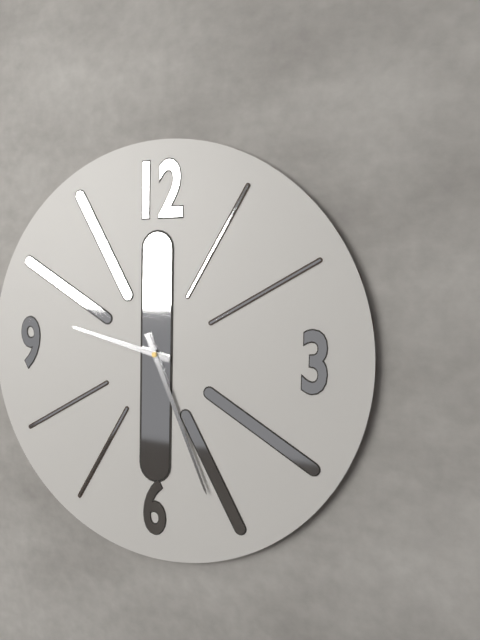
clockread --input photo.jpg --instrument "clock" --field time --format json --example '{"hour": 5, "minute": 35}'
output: {"hour": 9, "minute": 26}
